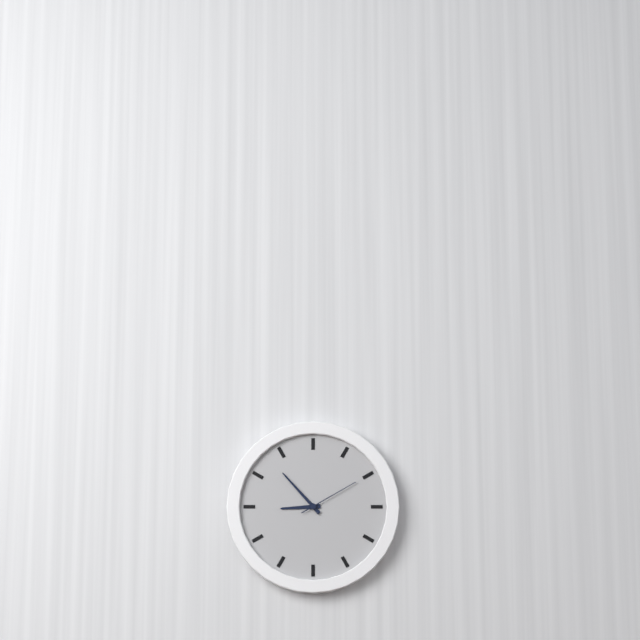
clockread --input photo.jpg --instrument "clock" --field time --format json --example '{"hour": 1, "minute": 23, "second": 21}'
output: {"hour": 8, "minute": 53, "second": 10}
